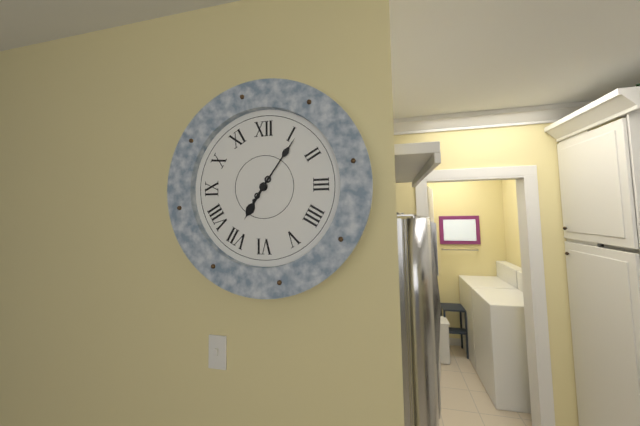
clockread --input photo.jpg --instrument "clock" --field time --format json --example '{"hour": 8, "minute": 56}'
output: {"hour": 7, "minute": 6}
